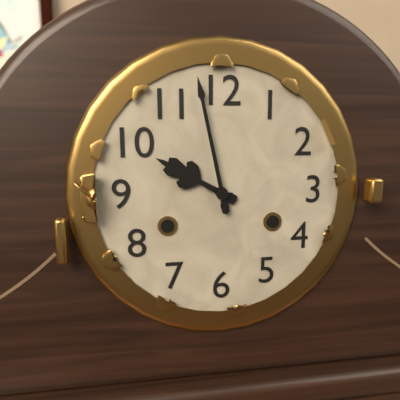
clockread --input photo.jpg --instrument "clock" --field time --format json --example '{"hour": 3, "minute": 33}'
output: {"hour": 9, "minute": 58}
